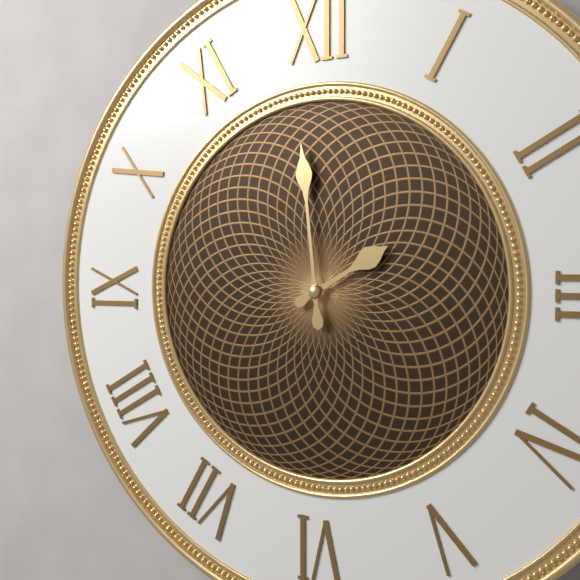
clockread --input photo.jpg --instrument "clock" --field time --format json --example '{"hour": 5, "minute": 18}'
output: {"hour": 1, "minute": 59}
